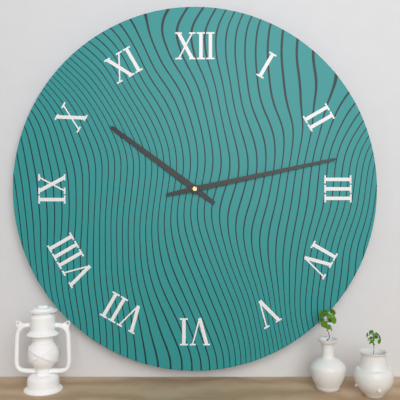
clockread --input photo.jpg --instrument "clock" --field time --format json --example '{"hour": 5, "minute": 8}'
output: {"hour": 10, "minute": 13}
